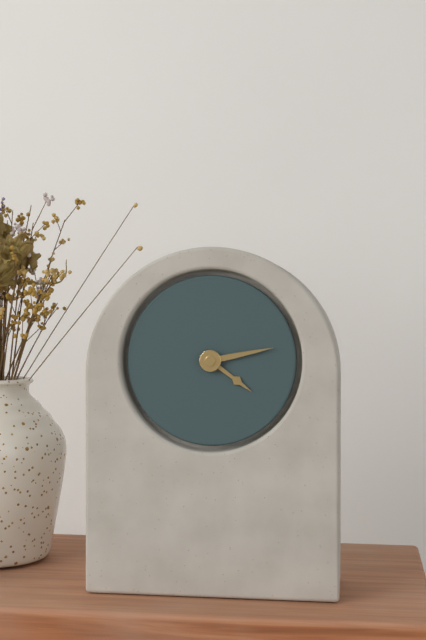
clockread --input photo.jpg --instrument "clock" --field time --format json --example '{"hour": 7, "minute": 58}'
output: {"hour": 4, "minute": 13}
